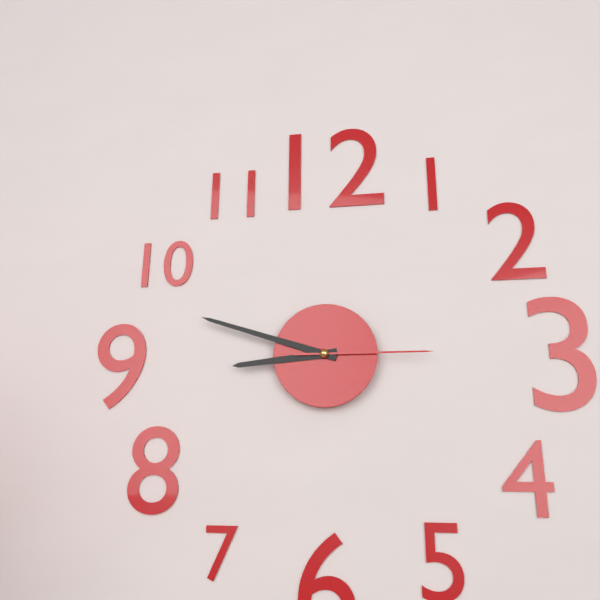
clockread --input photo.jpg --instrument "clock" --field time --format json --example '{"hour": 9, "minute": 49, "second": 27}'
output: {"hour": 8, "minute": 48, "second": 15}
